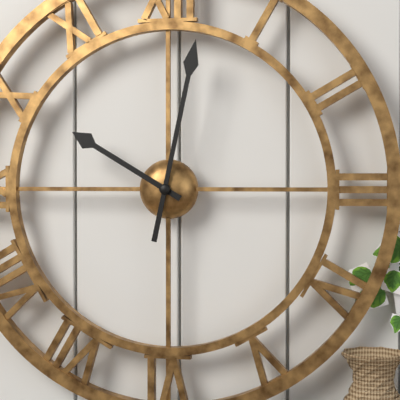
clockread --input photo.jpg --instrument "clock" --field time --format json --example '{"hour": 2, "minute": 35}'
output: {"hour": 10, "minute": 2}
